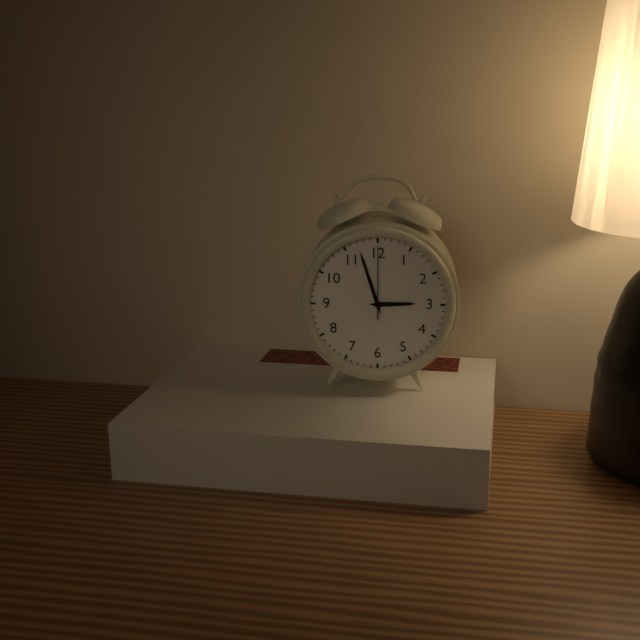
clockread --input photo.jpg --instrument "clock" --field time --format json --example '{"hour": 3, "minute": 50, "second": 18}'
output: {"hour": 2, "minute": 57, "second": 0}
